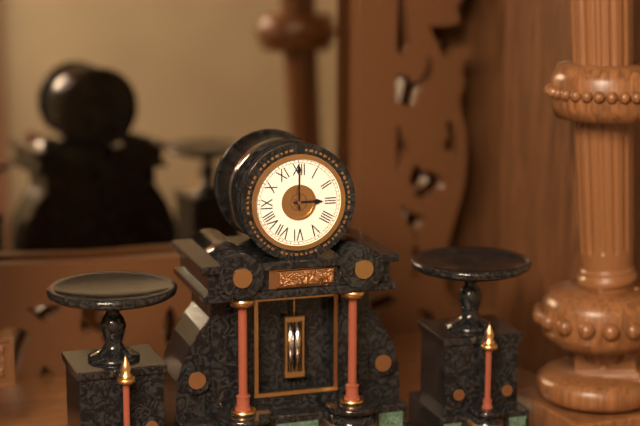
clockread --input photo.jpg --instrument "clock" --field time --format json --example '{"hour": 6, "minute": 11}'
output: {"hour": 3, "minute": 0}
